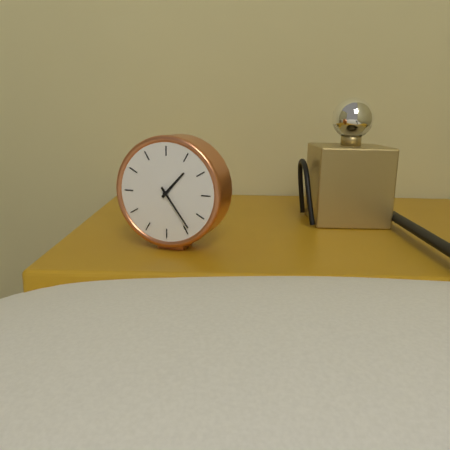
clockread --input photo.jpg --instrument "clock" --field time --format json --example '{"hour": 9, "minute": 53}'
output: {"hour": 1, "minute": 24}
